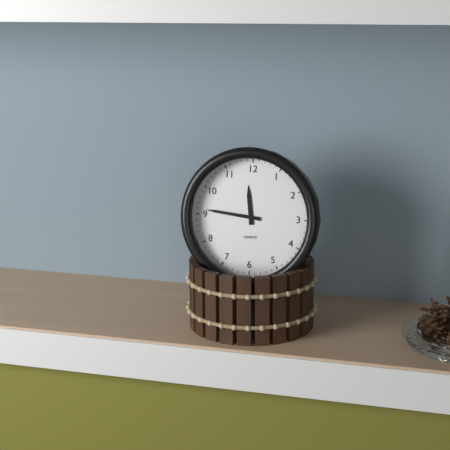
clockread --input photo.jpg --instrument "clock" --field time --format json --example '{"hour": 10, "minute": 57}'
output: {"hour": 11, "minute": 46}
